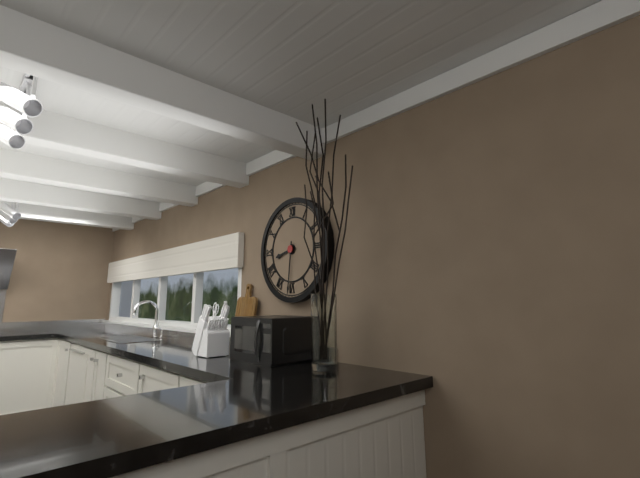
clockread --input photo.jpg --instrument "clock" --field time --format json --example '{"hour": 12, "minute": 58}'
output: {"hour": 8, "minute": 31}
